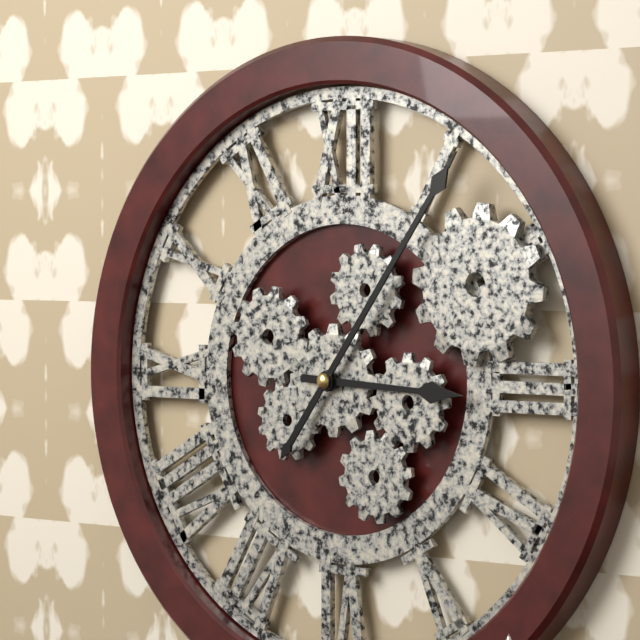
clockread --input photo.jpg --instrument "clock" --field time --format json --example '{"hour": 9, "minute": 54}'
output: {"hour": 3, "minute": 6}
